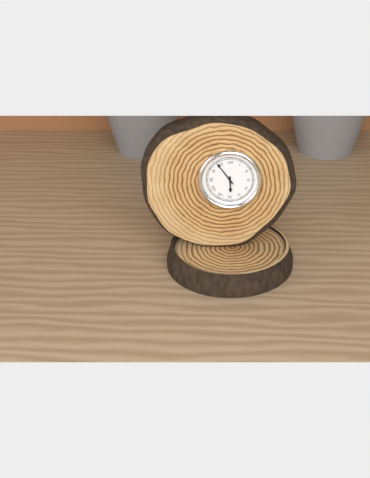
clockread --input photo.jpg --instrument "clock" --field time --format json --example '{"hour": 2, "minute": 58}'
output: {"hour": 5, "minute": 54}
